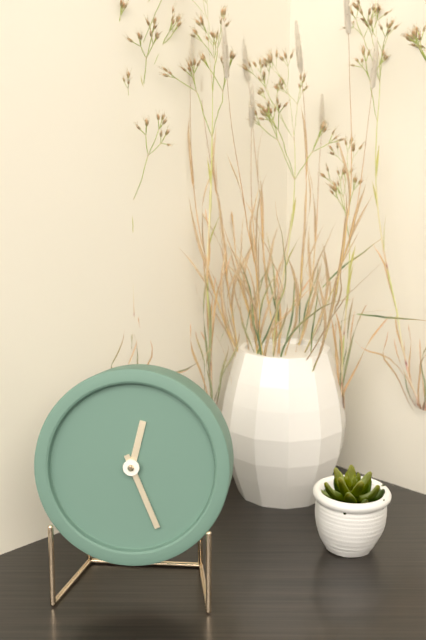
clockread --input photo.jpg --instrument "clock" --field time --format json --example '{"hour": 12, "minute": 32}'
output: {"hour": 12, "minute": 26}
